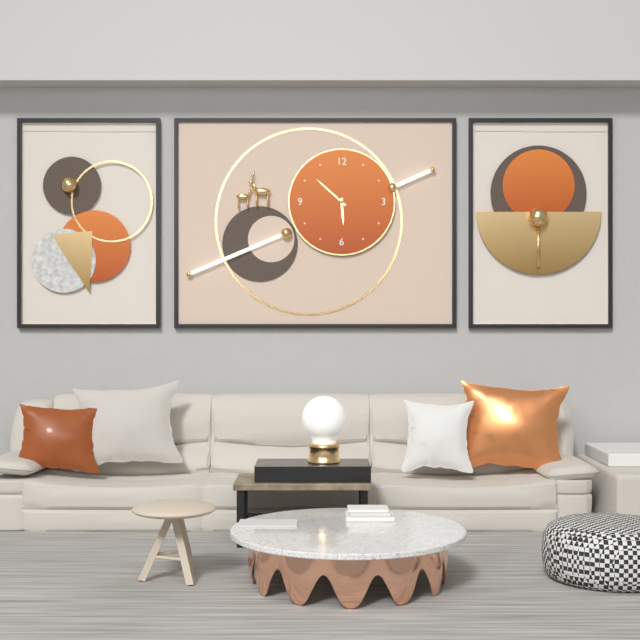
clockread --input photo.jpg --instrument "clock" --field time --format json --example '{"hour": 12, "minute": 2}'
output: {"hour": 5, "minute": 52}
